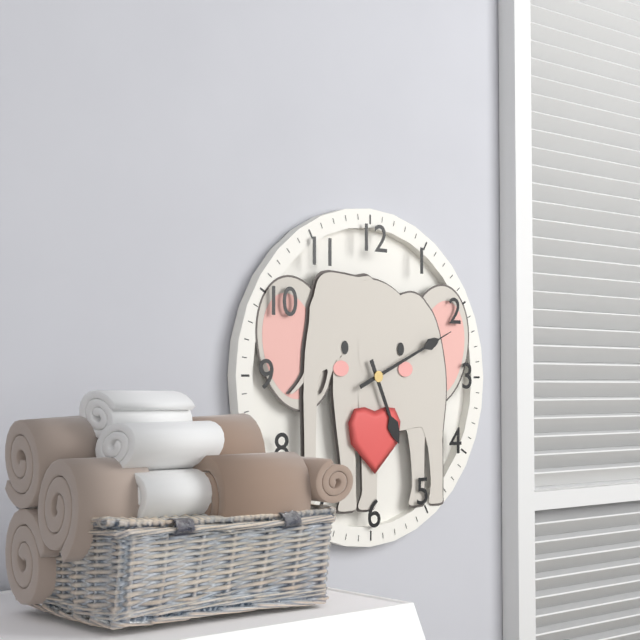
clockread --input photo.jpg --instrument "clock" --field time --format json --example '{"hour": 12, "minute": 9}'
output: {"hour": 5, "minute": 11}
